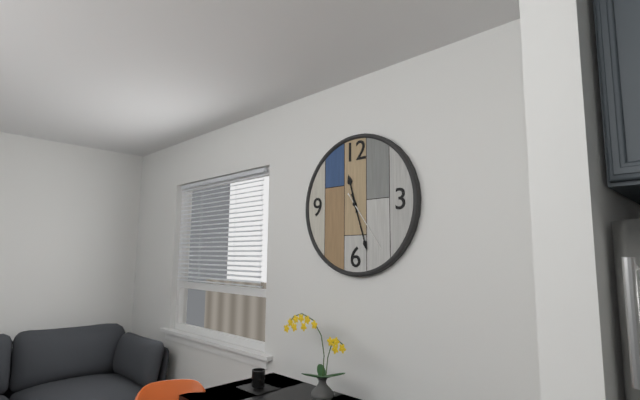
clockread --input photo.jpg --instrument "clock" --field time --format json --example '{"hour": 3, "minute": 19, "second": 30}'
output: {"hour": 11, "minute": 27, "second": 24}
